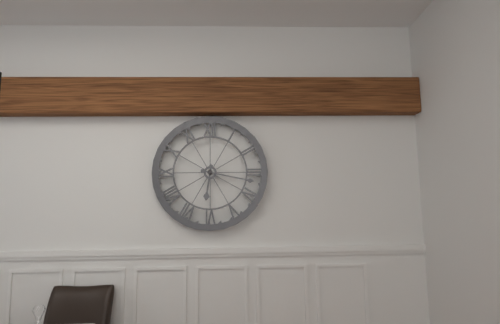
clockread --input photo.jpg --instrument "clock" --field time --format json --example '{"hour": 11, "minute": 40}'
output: {"hour": 6, "minute": 17}
